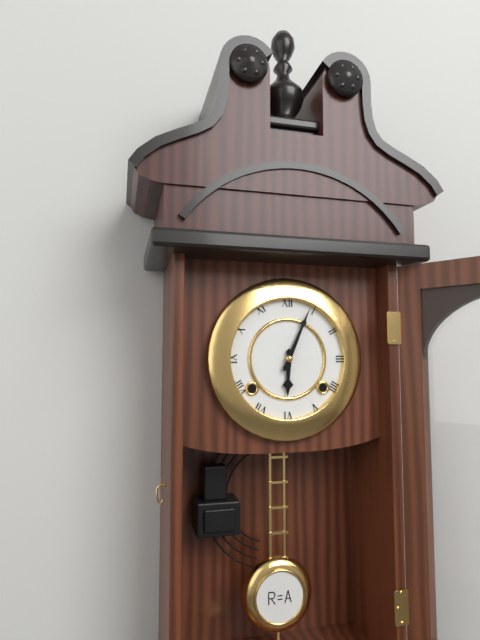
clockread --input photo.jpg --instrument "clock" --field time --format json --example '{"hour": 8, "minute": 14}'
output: {"hour": 6, "minute": 4}
